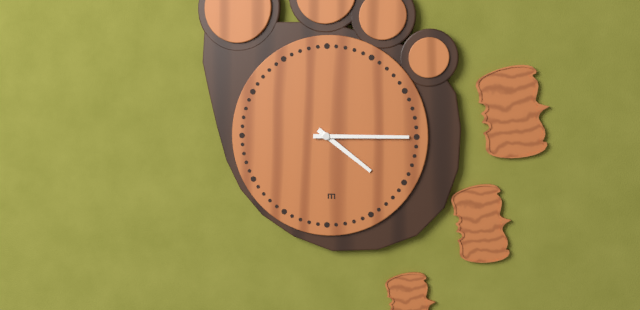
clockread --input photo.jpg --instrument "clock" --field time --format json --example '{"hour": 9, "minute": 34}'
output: {"hour": 4, "minute": 15}
